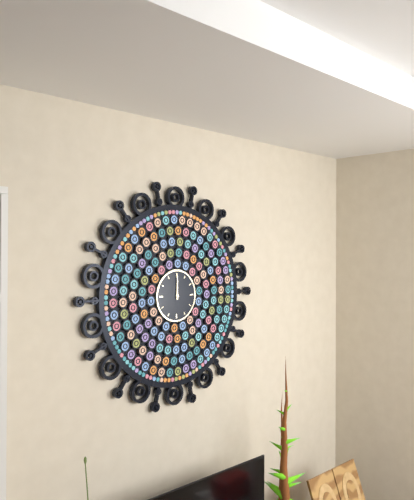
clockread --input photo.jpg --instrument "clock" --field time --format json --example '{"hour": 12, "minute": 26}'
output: {"hour": 12, "minute": 0}
